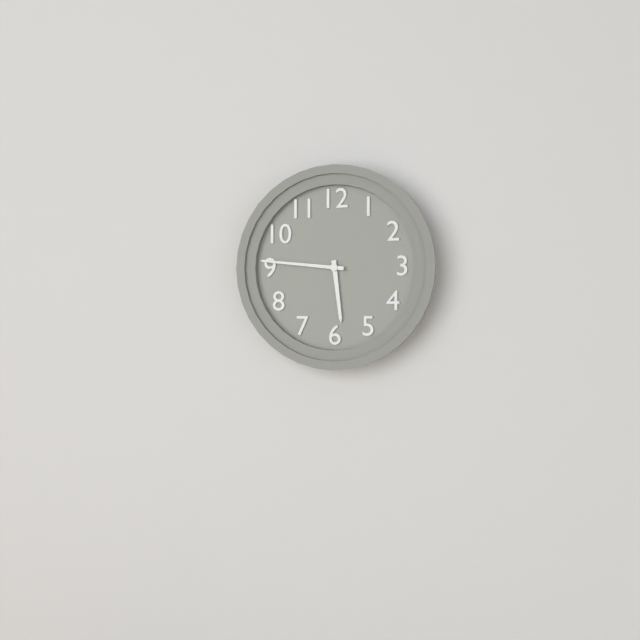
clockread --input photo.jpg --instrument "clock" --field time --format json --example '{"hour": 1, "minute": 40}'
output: {"hour": 5, "minute": 46}
